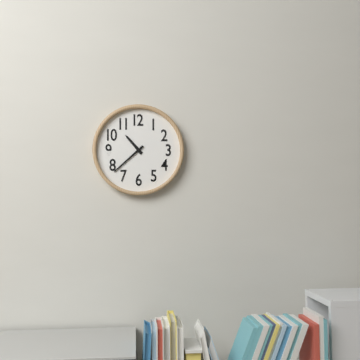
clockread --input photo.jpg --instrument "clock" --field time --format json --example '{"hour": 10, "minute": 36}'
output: {"hour": 10, "minute": 38}
